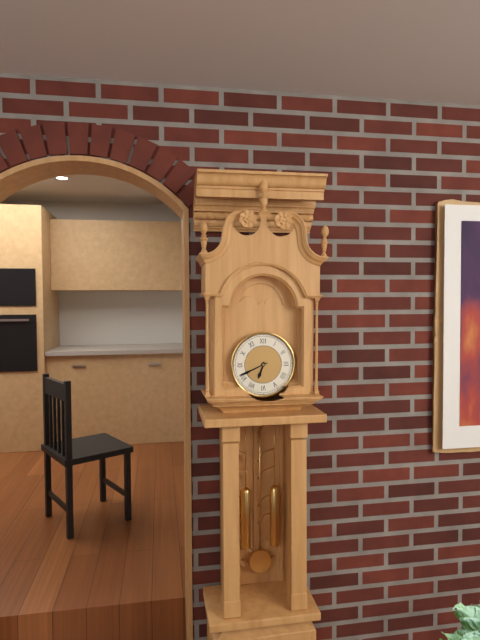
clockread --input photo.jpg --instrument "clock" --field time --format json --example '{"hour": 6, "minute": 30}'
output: {"hour": 6, "minute": 41}
